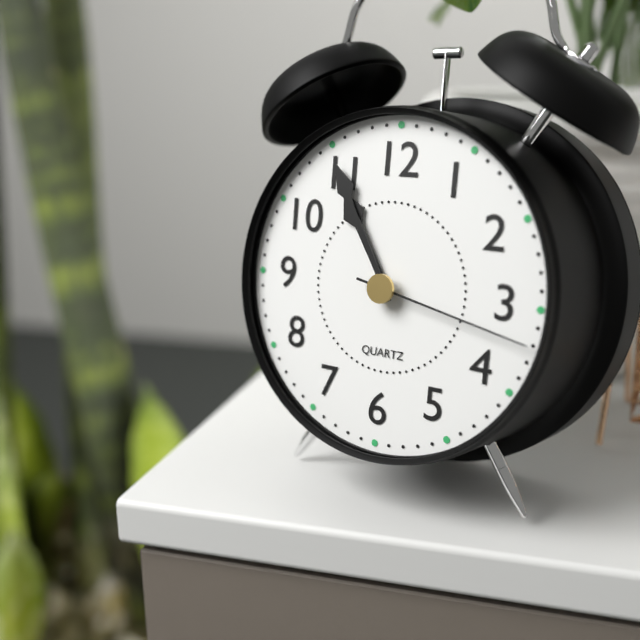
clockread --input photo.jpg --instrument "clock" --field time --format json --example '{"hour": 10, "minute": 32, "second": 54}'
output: {"hour": 10, "minute": 55, "second": 17}
